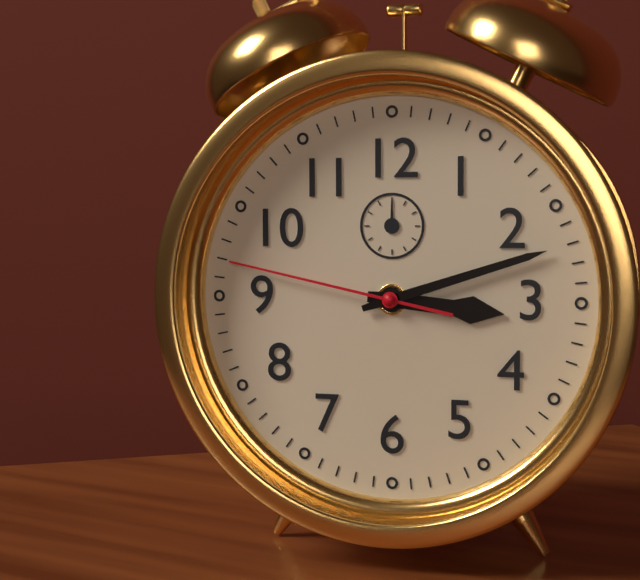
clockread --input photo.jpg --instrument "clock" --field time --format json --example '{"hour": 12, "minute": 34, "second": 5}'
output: {"hour": 3, "minute": 12, "second": 47}
